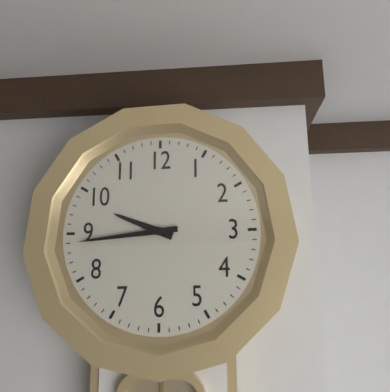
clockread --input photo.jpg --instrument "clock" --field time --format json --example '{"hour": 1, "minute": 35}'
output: {"hour": 9, "minute": 44}
